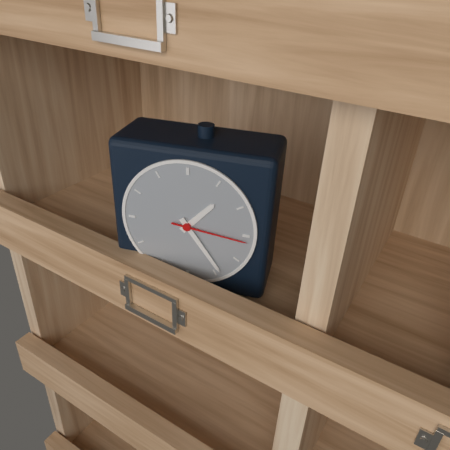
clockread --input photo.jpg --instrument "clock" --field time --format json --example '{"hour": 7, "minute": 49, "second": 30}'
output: {"hour": 1, "minute": 24, "second": 16}
